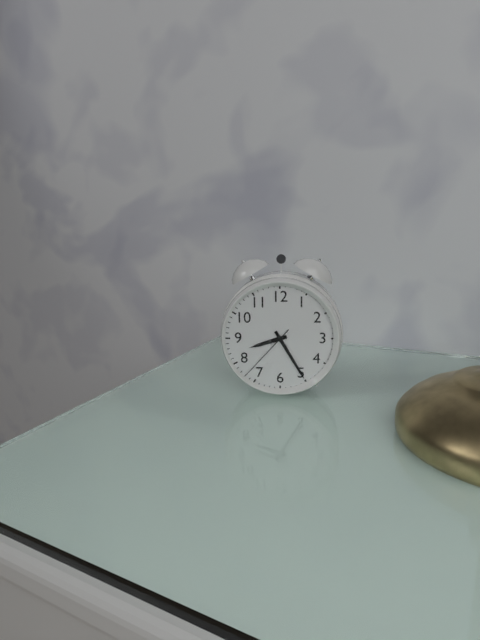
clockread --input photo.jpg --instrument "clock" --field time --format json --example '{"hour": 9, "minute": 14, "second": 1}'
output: {"hour": 8, "minute": 25, "second": 37}
